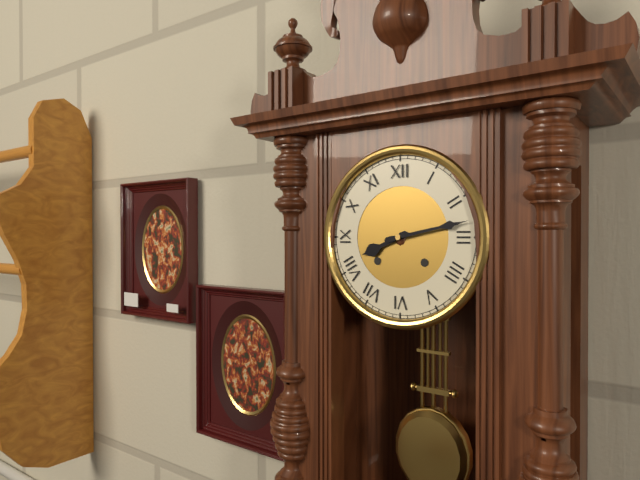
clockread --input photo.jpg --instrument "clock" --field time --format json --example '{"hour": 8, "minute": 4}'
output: {"hour": 8, "minute": 13}
